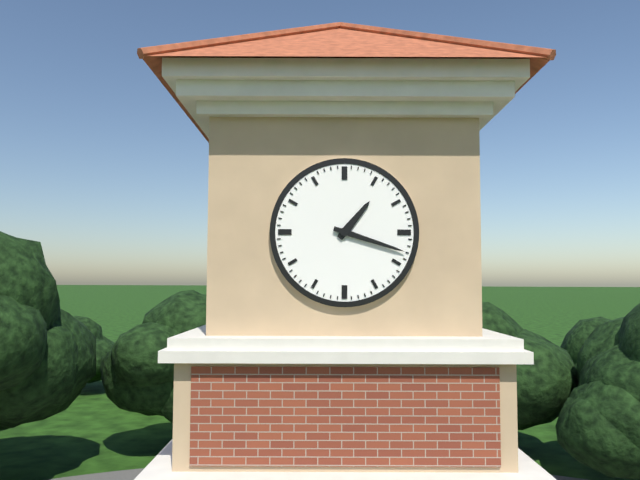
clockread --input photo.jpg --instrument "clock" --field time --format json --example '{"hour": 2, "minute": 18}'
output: {"hour": 1, "minute": 18}
